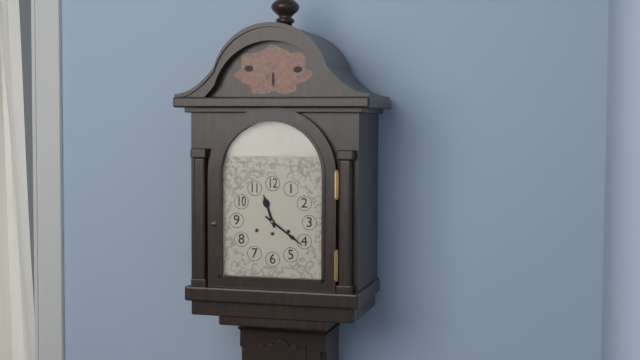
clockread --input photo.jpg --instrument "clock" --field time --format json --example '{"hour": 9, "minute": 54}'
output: {"hour": 11, "minute": 21}
